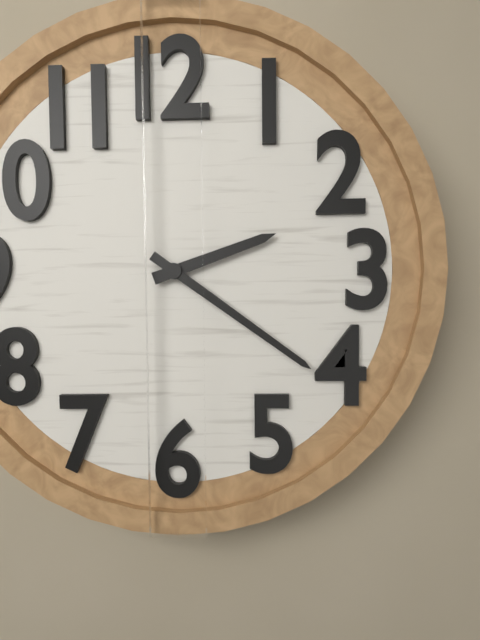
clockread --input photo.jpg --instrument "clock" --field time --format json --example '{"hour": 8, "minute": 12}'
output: {"hour": 2, "minute": 21}
